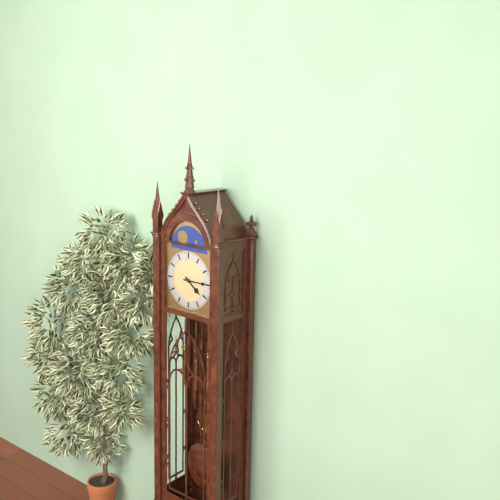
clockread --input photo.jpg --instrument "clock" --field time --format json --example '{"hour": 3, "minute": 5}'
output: {"hour": 4, "minute": 15}
